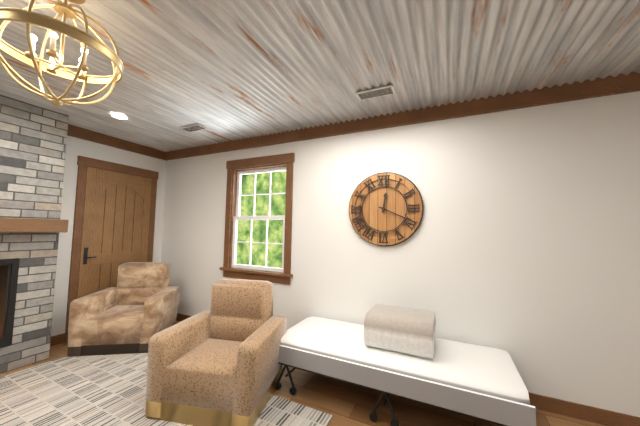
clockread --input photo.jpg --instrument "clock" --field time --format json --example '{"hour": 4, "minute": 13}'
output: {"hour": 12, "minute": 19}
